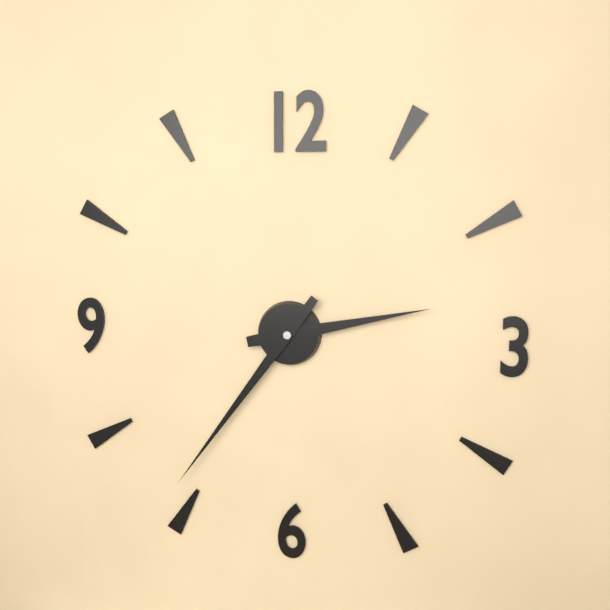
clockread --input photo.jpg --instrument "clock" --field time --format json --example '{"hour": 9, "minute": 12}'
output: {"hour": 2, "minute": 36}
